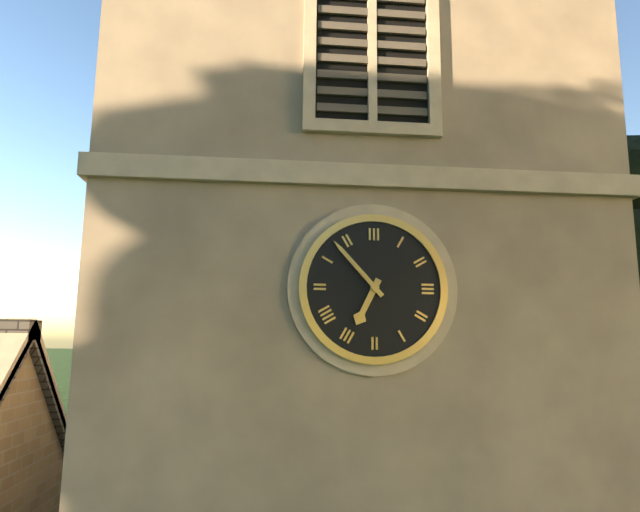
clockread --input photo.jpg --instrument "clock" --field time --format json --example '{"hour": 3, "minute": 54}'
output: {"hour": 6, "minute": 53}
